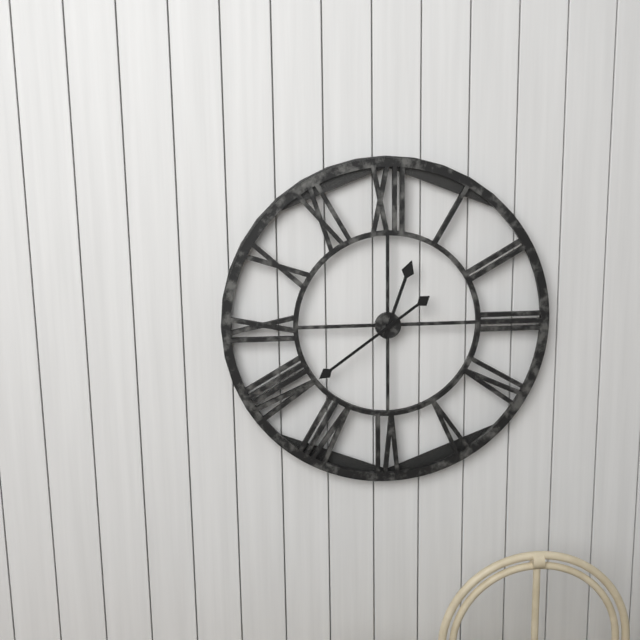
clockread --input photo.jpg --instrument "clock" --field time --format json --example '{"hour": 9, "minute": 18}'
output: {"hour": 12, "minute": 39}
